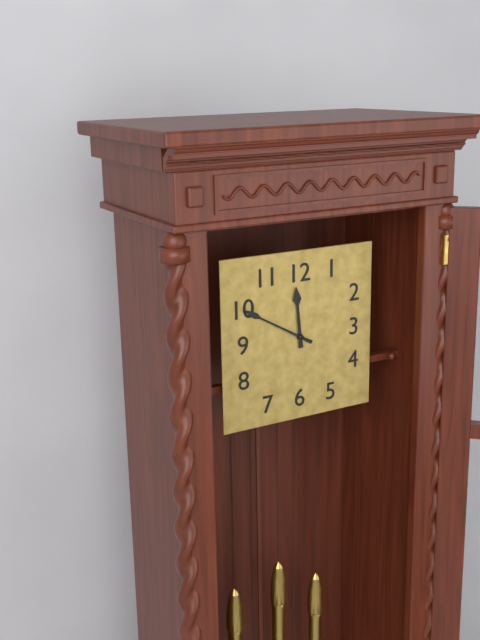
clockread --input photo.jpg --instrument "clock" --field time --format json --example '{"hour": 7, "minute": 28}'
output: {"hour": 11, "minute": 50}
